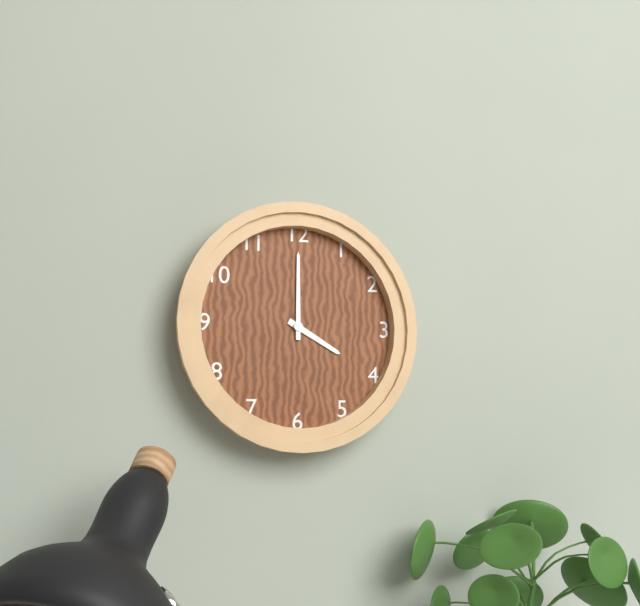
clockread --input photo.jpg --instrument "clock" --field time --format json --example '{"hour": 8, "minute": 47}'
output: {"hour": 4, "minute": 0}
